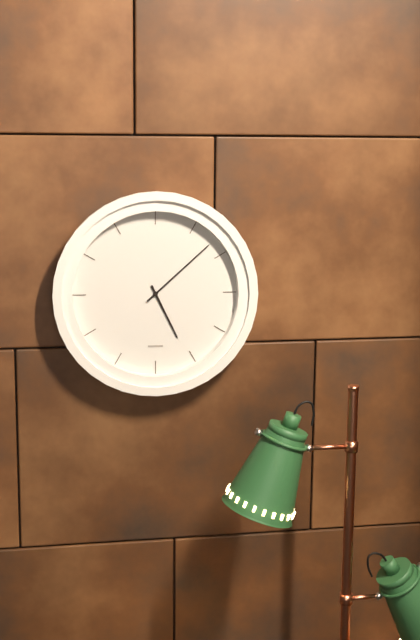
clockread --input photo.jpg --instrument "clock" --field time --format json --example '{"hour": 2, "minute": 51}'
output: {"hour": 5, "minute": 8}
